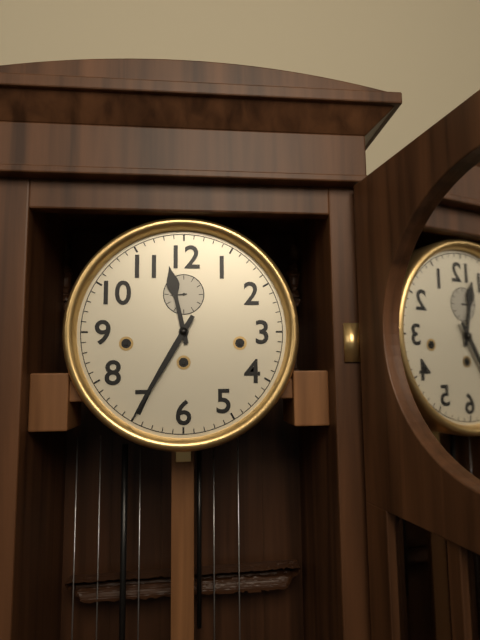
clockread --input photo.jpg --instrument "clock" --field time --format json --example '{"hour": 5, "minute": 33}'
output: {"hour": 11, "minute": 35}
